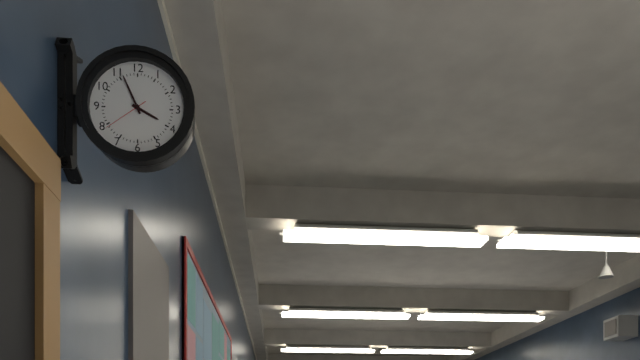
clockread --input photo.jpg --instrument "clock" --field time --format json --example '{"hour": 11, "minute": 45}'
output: {"hour": 3, "minute": 56}
